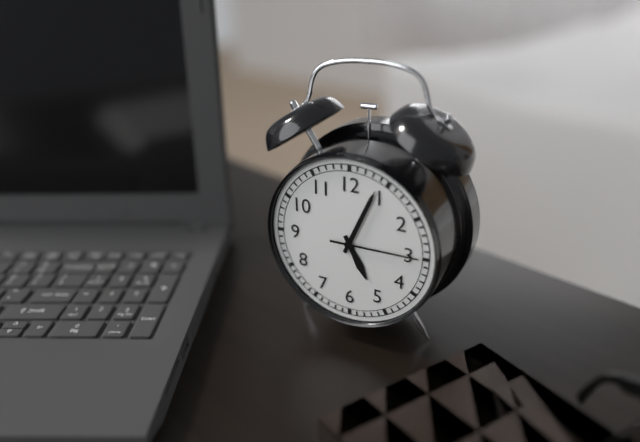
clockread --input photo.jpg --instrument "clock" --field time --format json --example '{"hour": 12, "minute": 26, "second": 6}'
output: {"hour": 5, "minute": 4, "second": 15}
